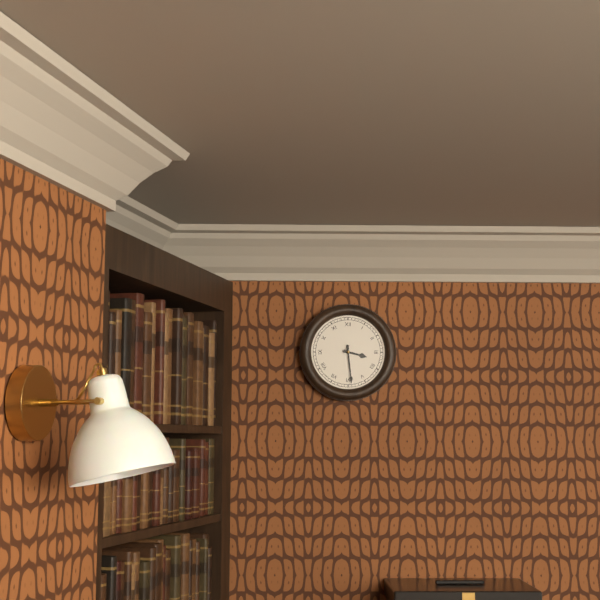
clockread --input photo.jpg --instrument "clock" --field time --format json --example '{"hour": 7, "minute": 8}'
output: {"hour": 3, "minute": 29}
